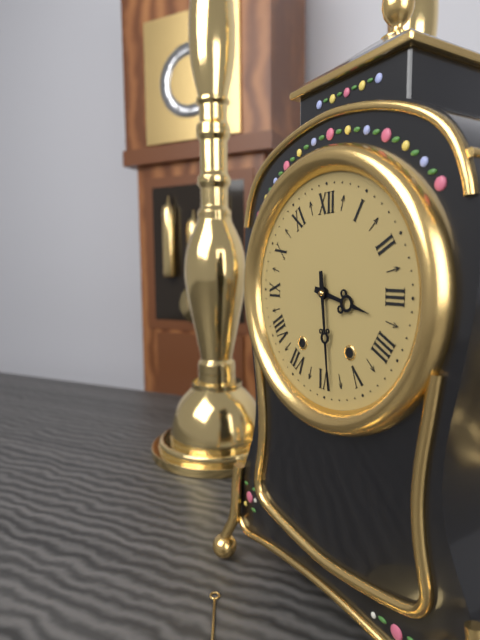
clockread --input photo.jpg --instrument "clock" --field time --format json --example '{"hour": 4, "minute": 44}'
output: {"hour": 3, "minute": 29}
